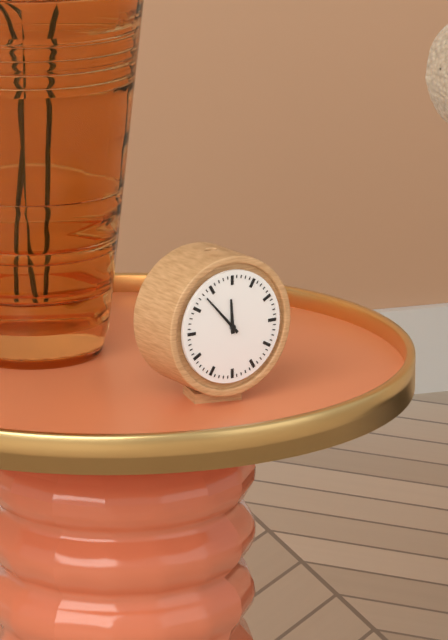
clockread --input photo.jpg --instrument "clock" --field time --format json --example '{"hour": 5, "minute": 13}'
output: {"hour": 11, "minute": 53}
